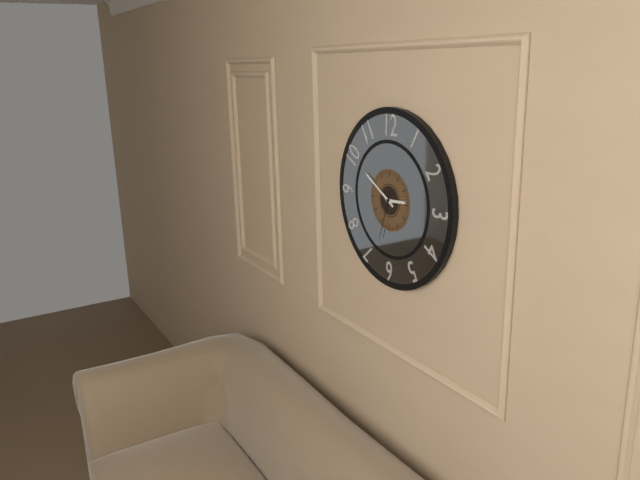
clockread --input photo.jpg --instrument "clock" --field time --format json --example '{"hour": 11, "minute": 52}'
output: {"hour": 2, "minute": 50}
